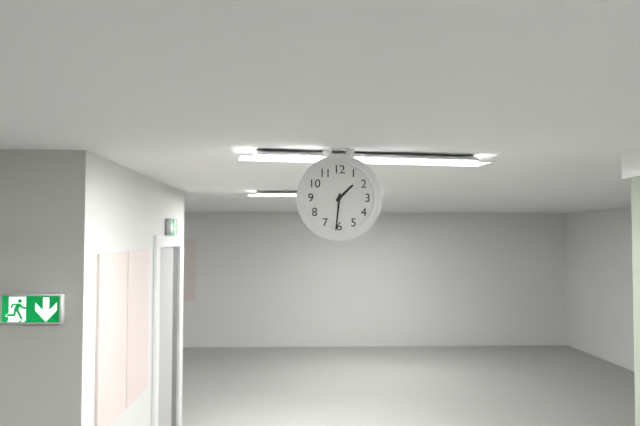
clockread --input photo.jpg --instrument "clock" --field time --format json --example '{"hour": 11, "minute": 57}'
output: {"hour": 1, "minute": 31}
